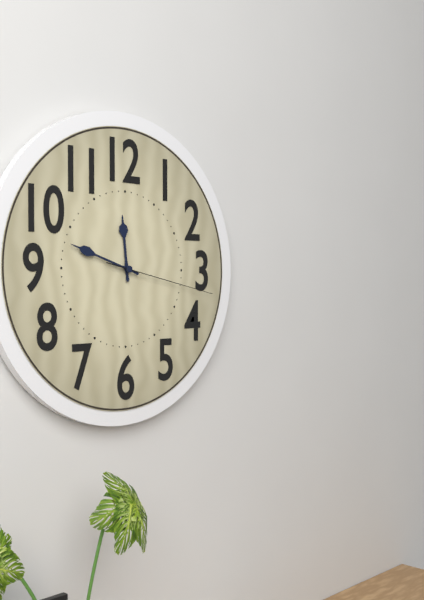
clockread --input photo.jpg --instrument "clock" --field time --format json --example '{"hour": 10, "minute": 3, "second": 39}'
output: {"hour": 11, "minute": 48, "second": 17}
